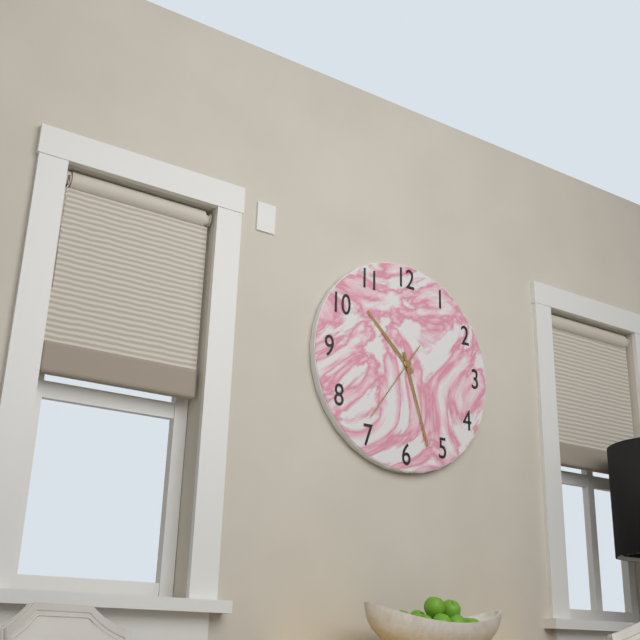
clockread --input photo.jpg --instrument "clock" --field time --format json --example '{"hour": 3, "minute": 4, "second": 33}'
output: {"hour": 10, "minute": 27, "second": 36}
